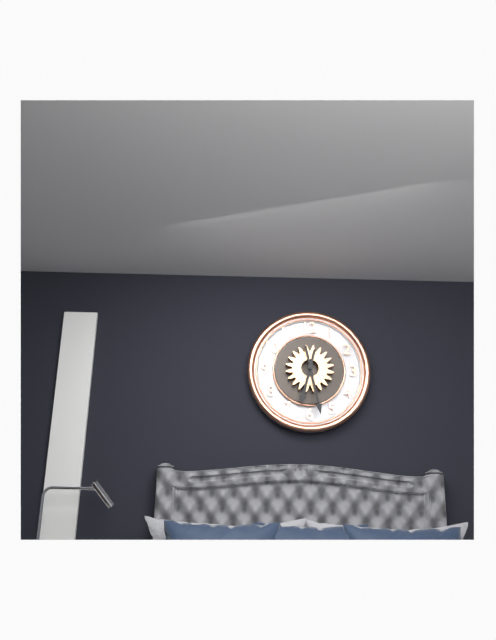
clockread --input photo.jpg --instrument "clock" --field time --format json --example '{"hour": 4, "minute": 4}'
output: {"hour": 6, "minute": 28}
